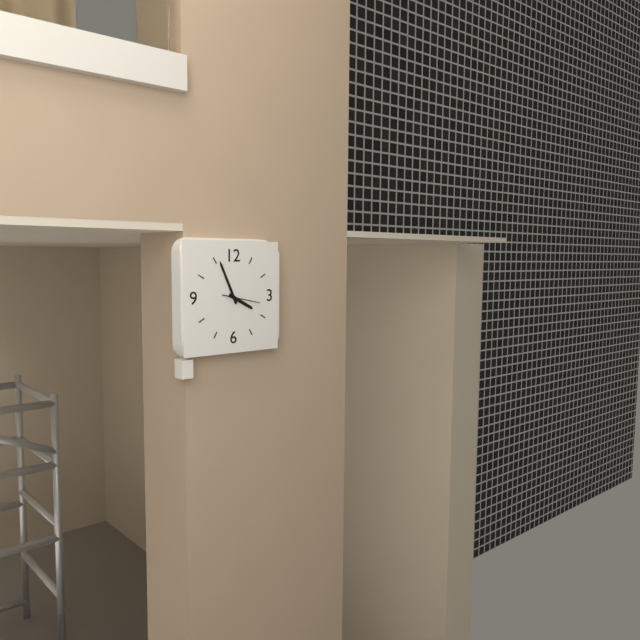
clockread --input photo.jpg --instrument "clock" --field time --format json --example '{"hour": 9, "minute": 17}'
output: {"hour": 3, "minute": 56}
